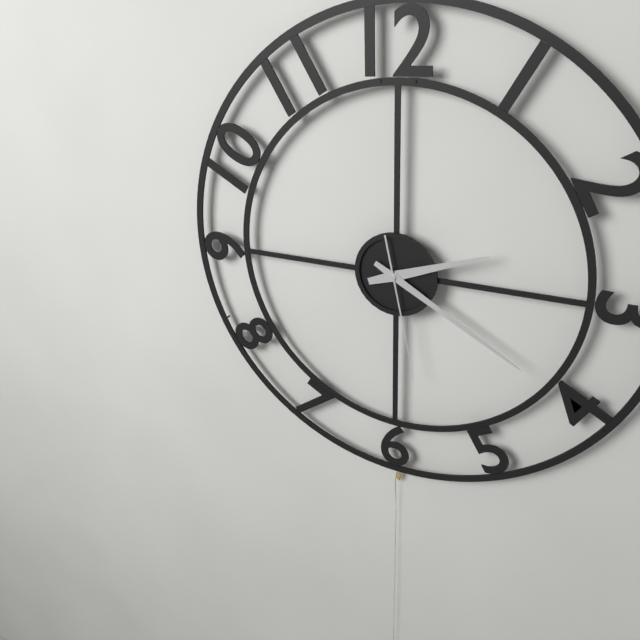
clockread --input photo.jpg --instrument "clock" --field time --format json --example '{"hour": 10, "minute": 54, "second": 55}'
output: {"hour": 2, "minute": 20, "second": 28}
